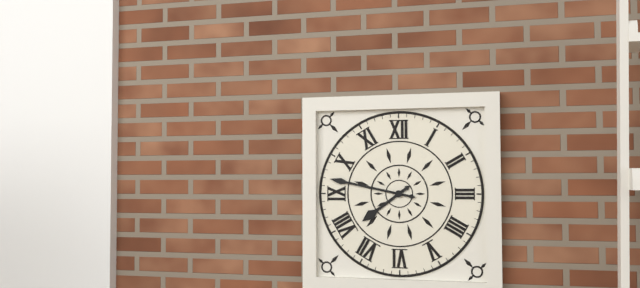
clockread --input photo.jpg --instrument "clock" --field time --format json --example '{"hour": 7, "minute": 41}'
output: {"hour": 7, "minute": 47}
